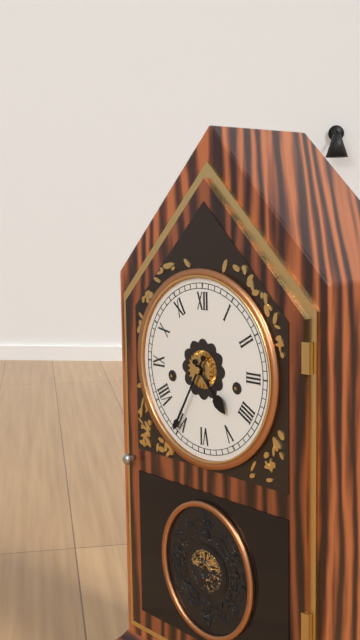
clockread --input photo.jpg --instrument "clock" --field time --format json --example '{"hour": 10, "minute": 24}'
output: {"hour": 4, "minute": 35}
